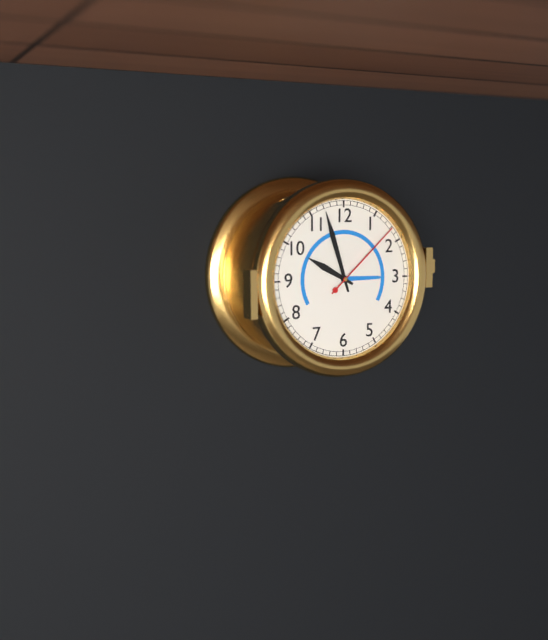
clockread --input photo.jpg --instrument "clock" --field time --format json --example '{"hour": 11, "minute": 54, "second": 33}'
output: {"hour": 9, "minute": 57, "second": 8}
